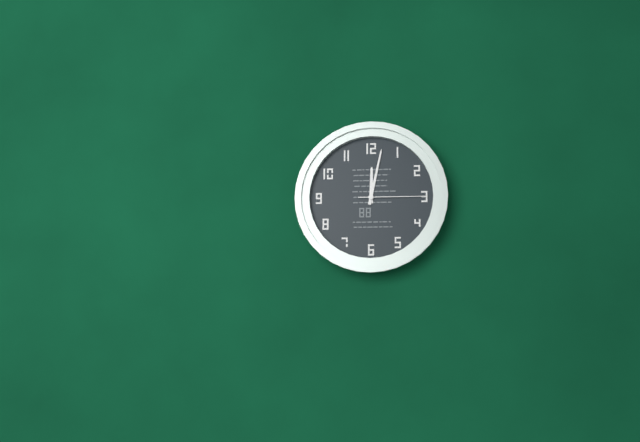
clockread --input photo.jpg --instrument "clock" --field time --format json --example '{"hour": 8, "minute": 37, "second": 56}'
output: {"hour": 12, "minute": 2, "second": 15}
